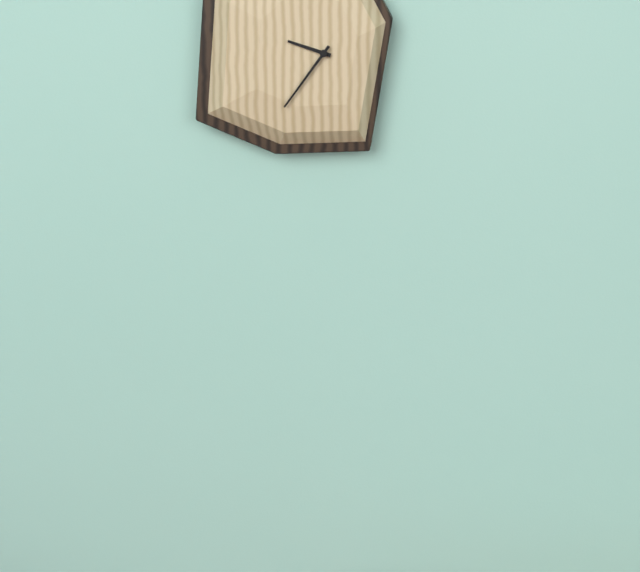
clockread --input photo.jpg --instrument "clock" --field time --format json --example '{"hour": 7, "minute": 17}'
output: {"hour": 9, "minute": 36}
